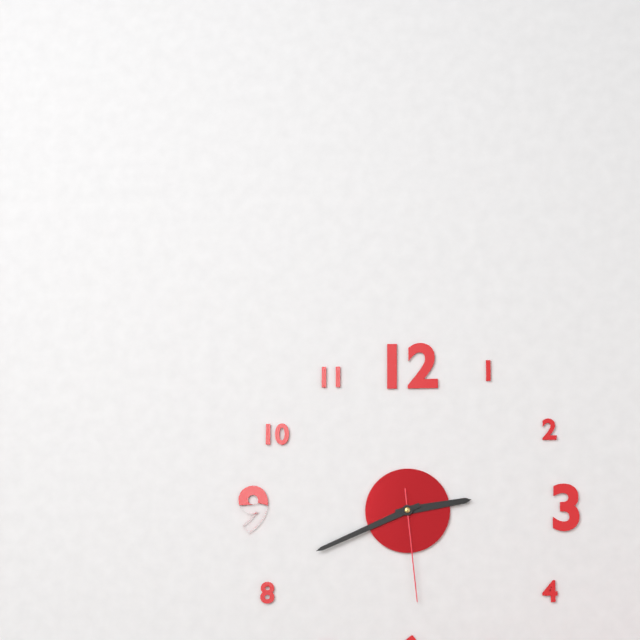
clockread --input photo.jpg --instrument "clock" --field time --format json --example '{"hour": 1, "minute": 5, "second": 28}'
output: {"hour": 2, "minute": 41, "second": 29}
